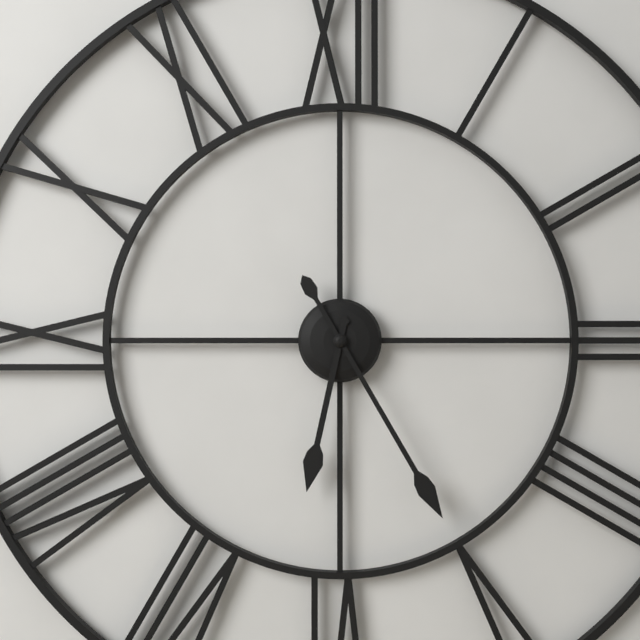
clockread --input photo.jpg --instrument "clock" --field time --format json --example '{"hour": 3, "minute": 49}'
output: {"hour": 6, "minute": 25}
